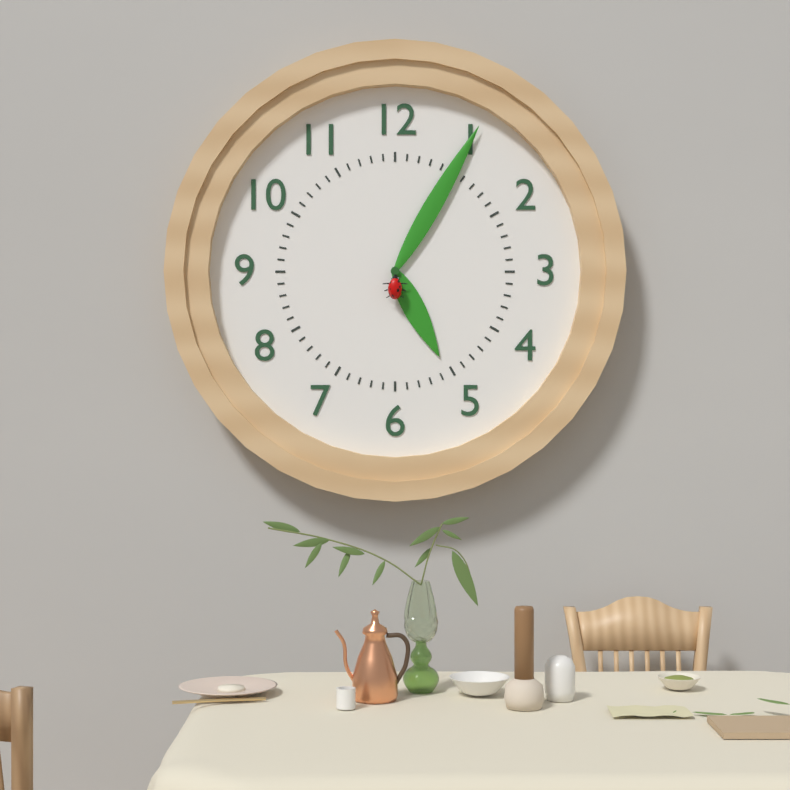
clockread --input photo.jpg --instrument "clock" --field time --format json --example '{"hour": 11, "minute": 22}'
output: {"hour": 5, "minute": 5}
